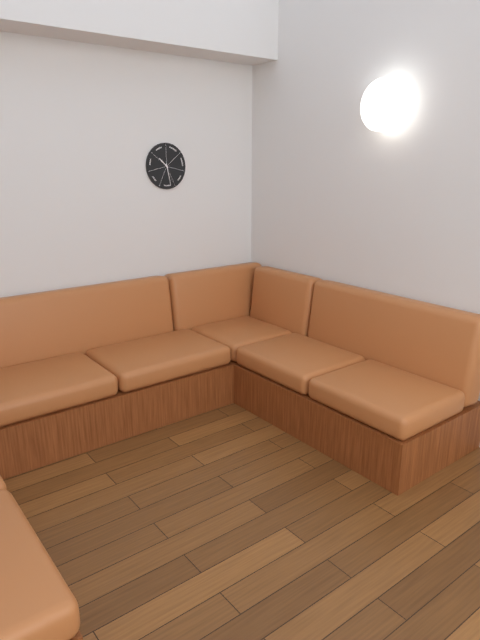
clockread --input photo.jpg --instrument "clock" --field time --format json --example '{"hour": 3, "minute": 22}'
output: {"hour": 10, "minute": 28}
